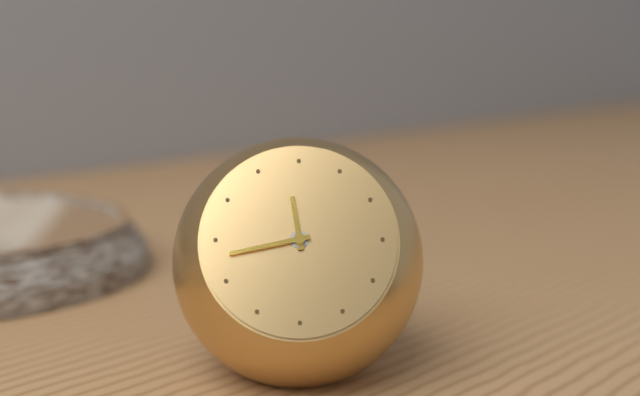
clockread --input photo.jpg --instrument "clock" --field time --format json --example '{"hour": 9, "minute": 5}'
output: {"hour": 11, "minute": 43}
